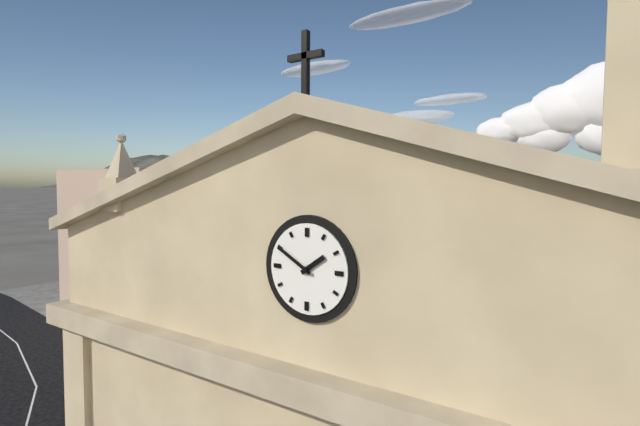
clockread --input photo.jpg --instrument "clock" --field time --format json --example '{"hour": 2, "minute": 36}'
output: {"hour": 1, "minute": 50}
